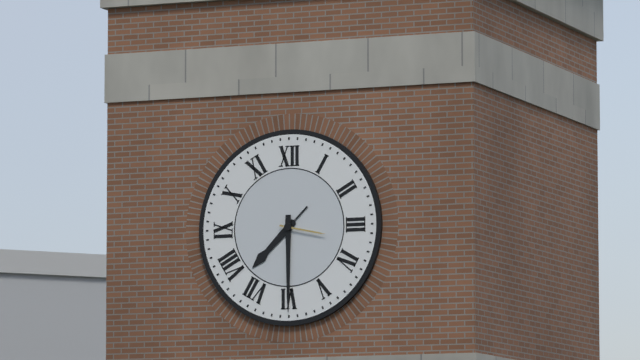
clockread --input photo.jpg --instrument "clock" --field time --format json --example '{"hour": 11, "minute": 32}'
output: {"hour": 7, "minute": 30}
